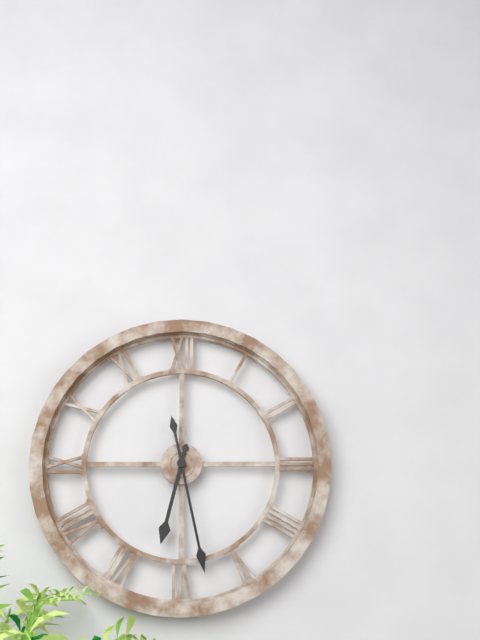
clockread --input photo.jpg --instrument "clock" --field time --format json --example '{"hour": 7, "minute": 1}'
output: {"hour": 6, "minute": 28}
